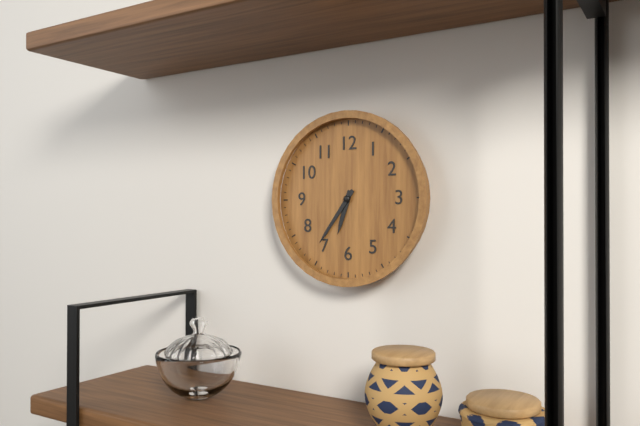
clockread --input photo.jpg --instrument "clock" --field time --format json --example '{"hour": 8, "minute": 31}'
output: {"hour": 6, "minute": 36}
